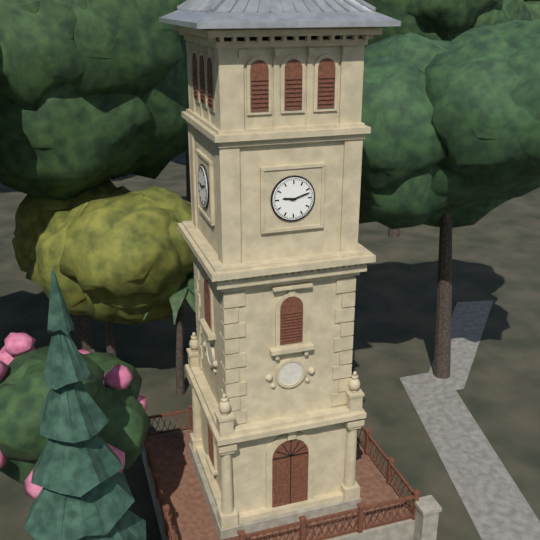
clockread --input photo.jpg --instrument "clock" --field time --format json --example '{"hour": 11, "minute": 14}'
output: {"hour": 9, "minute": 12}
